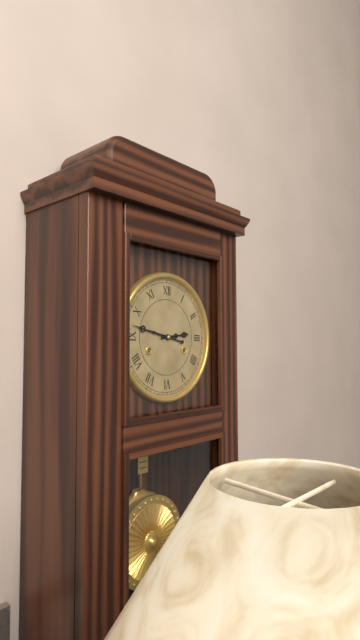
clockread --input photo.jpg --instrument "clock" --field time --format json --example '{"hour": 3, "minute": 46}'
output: {"hour": 2, "minute": 47}
